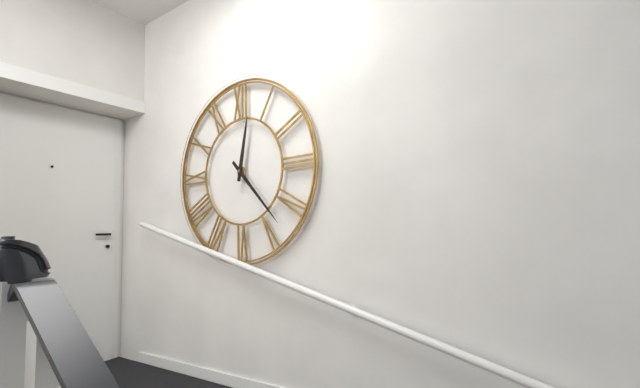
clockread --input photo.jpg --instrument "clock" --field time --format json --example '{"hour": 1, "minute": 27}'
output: {"hour": 12, "minute": 23}
